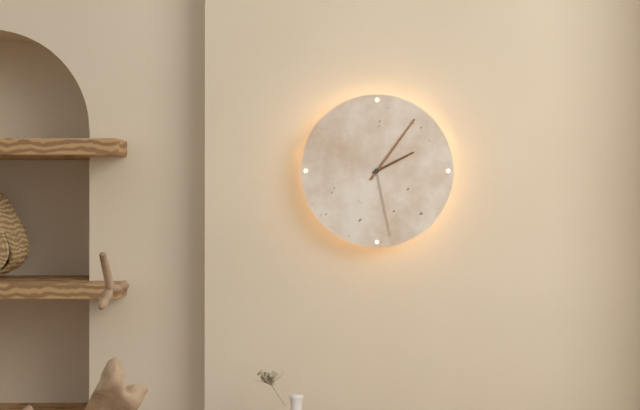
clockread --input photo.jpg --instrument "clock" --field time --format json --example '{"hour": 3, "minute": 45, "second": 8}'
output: {"hour": 2, "minute": 6, "second": 28}
